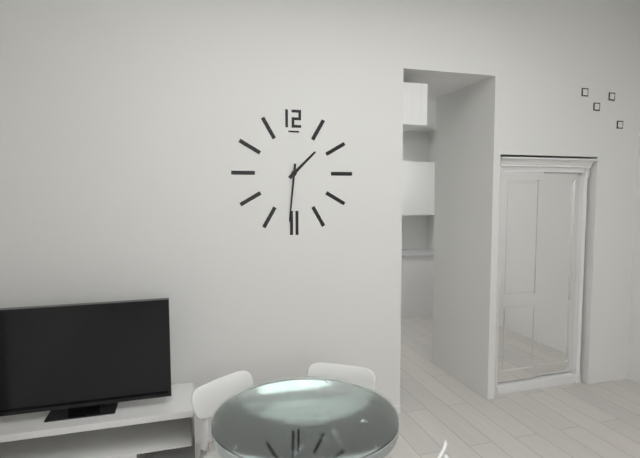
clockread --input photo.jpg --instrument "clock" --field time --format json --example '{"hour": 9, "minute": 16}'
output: {"hour": 1, "minute": 31}
